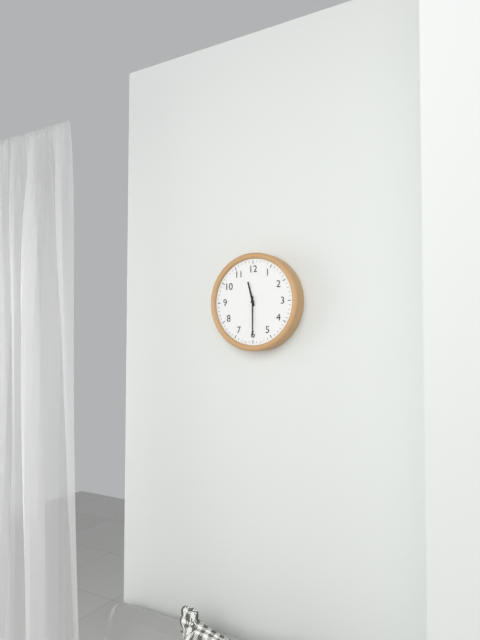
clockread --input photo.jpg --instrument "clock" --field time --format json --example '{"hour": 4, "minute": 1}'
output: {"hour": 11, "minute": 30}
